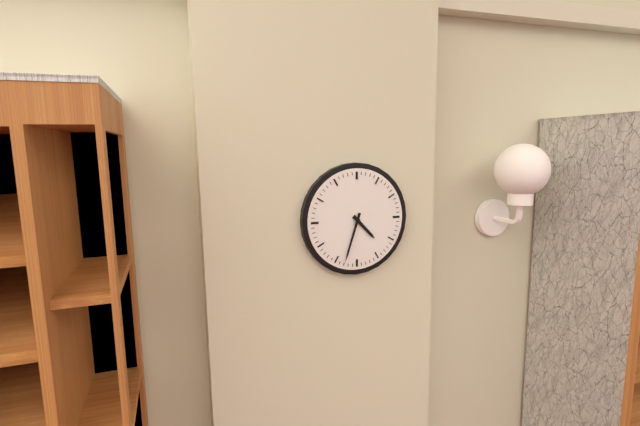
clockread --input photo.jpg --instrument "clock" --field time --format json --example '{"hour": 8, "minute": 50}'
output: {"hour": 4, "minute": 33}
